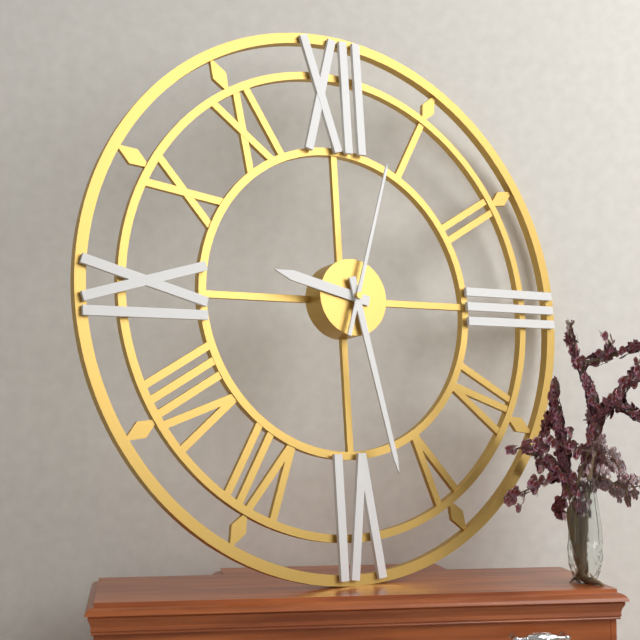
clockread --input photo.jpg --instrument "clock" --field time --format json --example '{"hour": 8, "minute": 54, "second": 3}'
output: {"hour": 9, "minute": 28, "second": 3}
